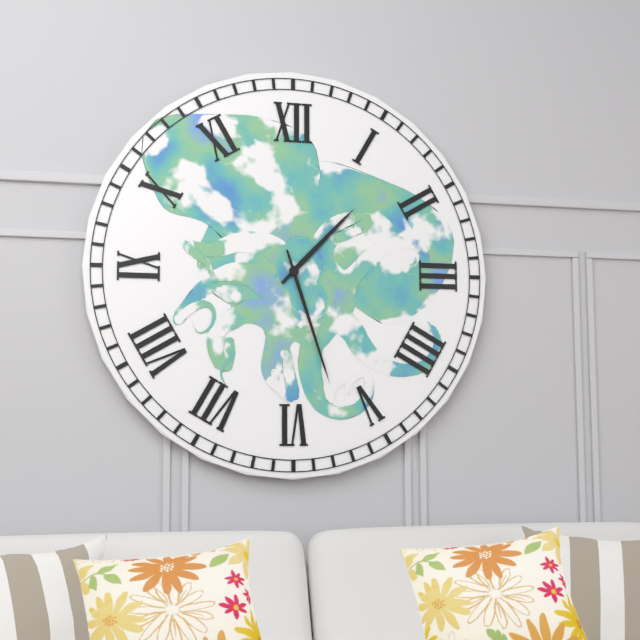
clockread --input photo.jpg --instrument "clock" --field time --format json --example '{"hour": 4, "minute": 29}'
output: {"hour": 1, "minute": 27}
